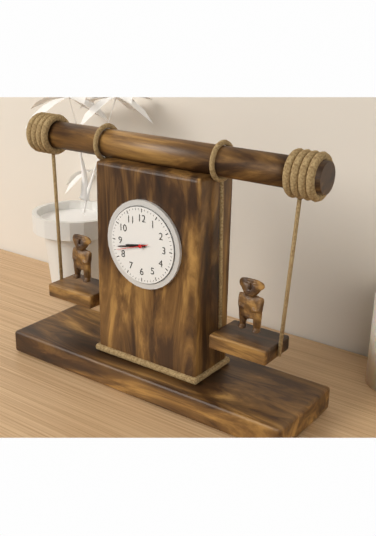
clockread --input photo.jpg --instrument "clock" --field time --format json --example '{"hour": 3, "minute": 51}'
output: {"hour": 8, "minute": 43}
